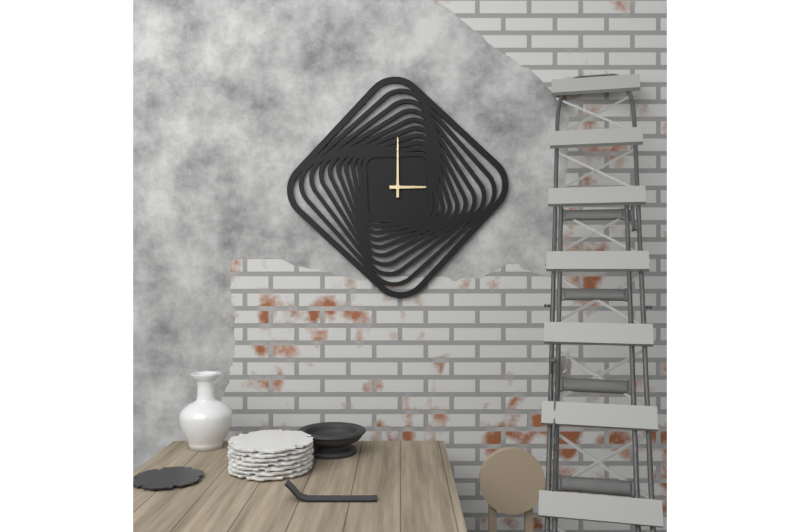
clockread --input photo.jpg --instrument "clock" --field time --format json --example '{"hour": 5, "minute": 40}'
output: {"hour": 3, "minute": 0}
